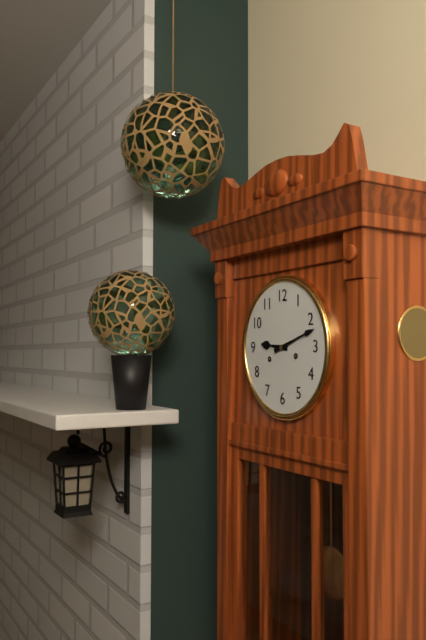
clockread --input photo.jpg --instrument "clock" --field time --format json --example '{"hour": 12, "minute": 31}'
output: {"hour": 9, "minute": 12}
